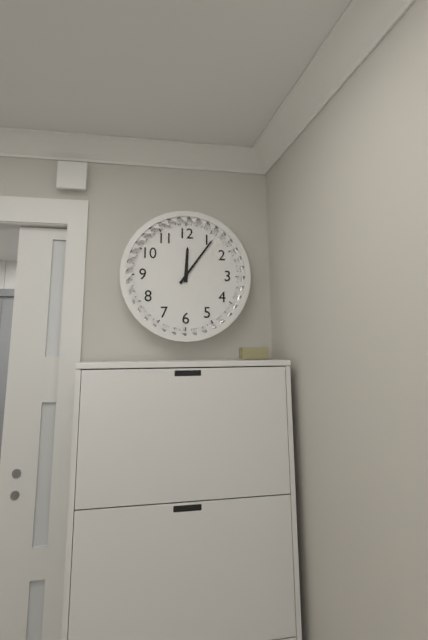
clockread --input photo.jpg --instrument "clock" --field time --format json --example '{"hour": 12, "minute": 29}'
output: {"hour": 12, "minute": 6}
